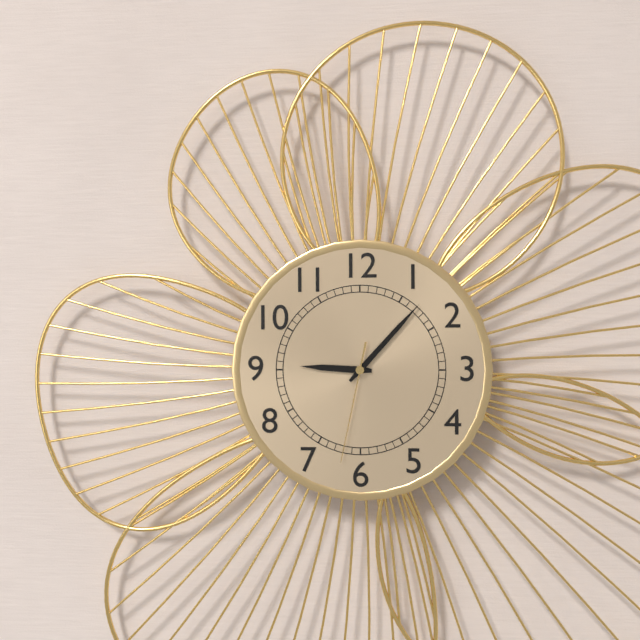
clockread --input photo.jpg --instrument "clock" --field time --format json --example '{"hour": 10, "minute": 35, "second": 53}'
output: {"hour": 9, "minute": 7, "second": 32}
